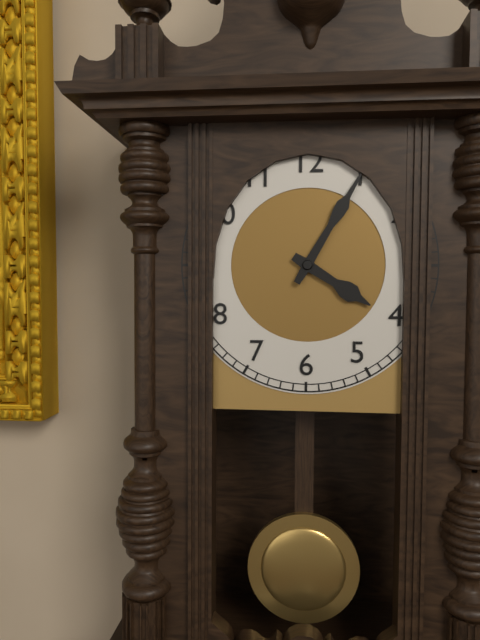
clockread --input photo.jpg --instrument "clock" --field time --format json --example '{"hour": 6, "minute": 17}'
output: {"hour": 4, "minute": 5}
